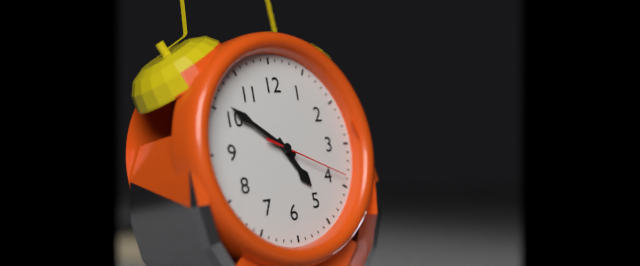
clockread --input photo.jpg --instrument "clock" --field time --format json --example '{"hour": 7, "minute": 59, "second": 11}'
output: {"hour": 4, "minute": 51, "second": 19}
